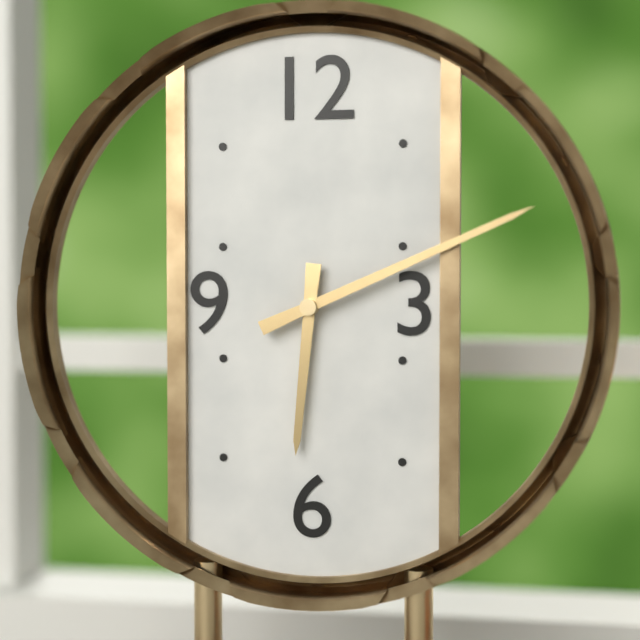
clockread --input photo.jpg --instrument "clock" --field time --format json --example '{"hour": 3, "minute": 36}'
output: {"hour": 6, "minute": 11}
